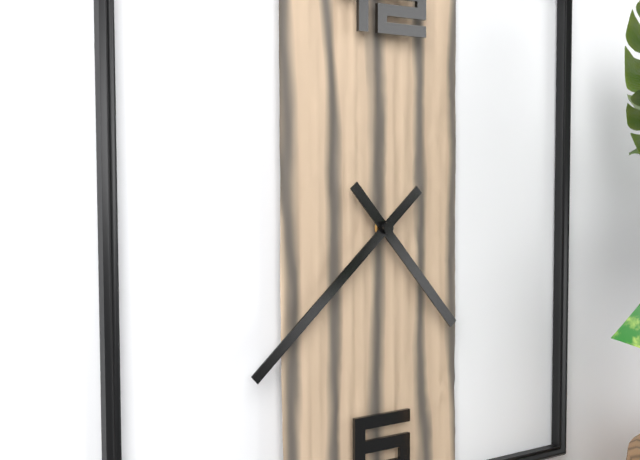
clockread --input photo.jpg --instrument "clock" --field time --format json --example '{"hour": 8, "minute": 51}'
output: {"hour": 4, "minute": 38}
